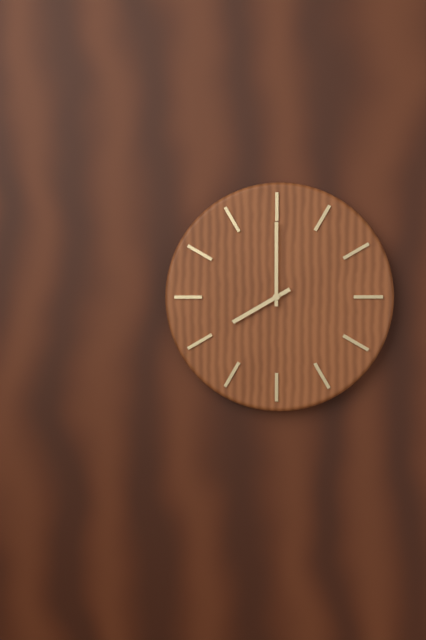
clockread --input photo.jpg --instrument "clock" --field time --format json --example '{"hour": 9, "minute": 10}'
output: {"hour": 8, "minute": 0}
